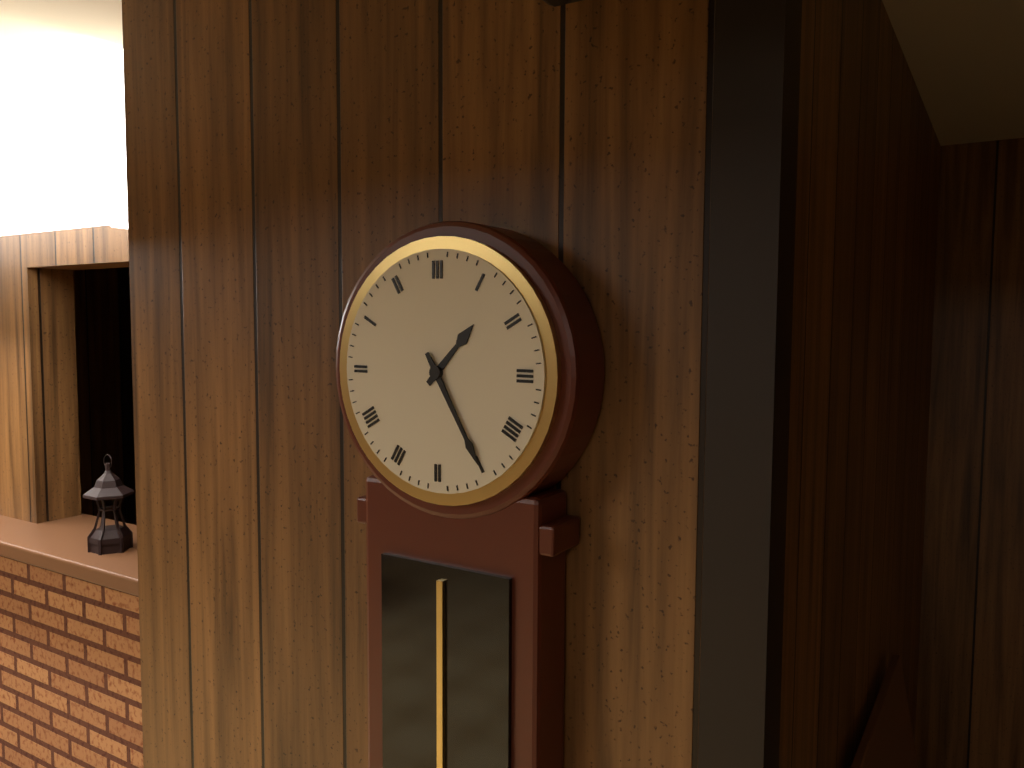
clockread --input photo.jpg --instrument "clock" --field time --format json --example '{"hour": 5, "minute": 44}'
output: {"hour": 1, "minute": 25}
